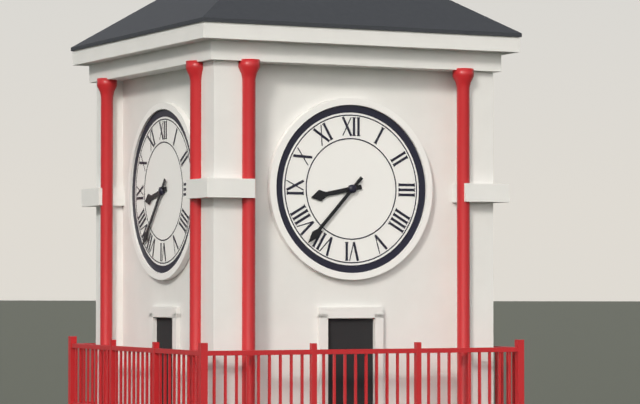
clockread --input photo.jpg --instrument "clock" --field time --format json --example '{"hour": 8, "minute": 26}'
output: {"hour": 8, "minute": 37}
